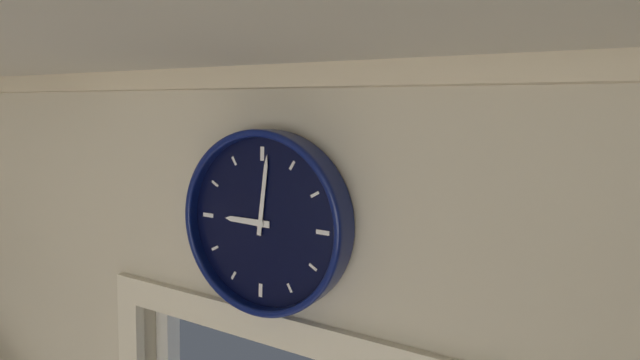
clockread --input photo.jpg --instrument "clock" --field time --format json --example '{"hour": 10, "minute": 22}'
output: {"hour": 9, "minute": 1}
